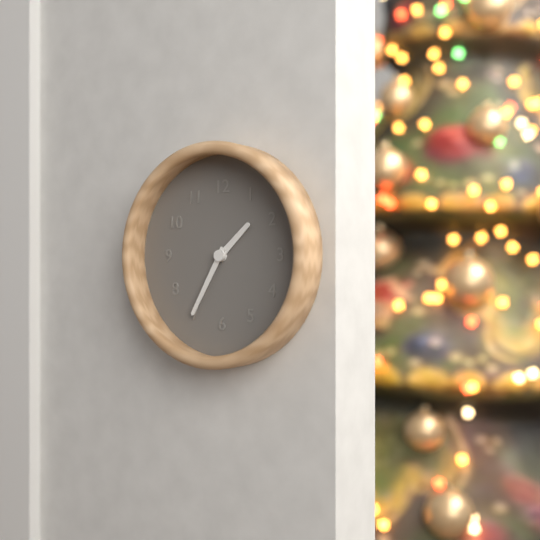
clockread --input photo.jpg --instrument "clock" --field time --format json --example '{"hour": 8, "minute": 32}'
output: {"hour": 1, "minute": 35}
